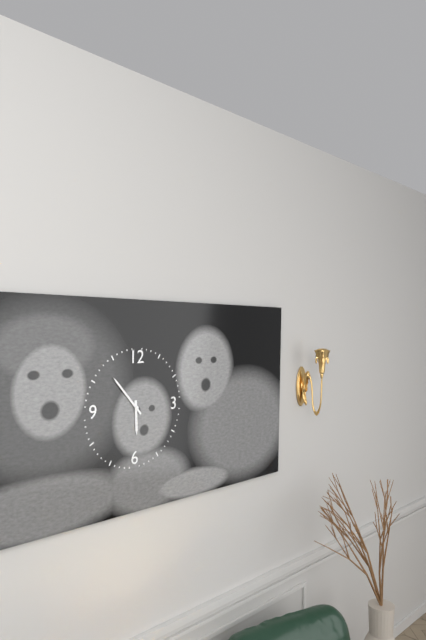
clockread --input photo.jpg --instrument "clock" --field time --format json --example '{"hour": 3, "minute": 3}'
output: {"hour": 5, "minute": 53}
